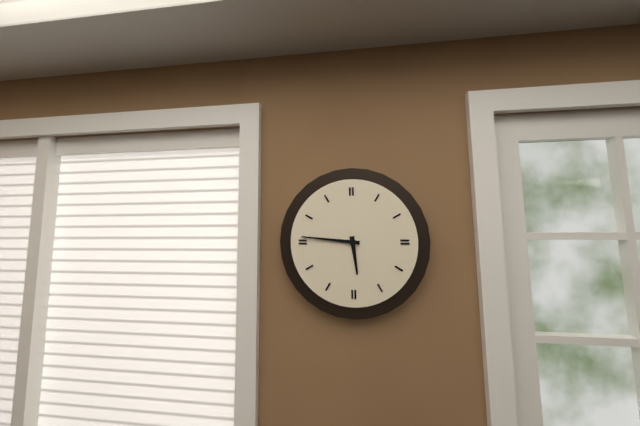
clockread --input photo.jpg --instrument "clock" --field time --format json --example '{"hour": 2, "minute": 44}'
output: {"hour": 5, "minute": 46}
